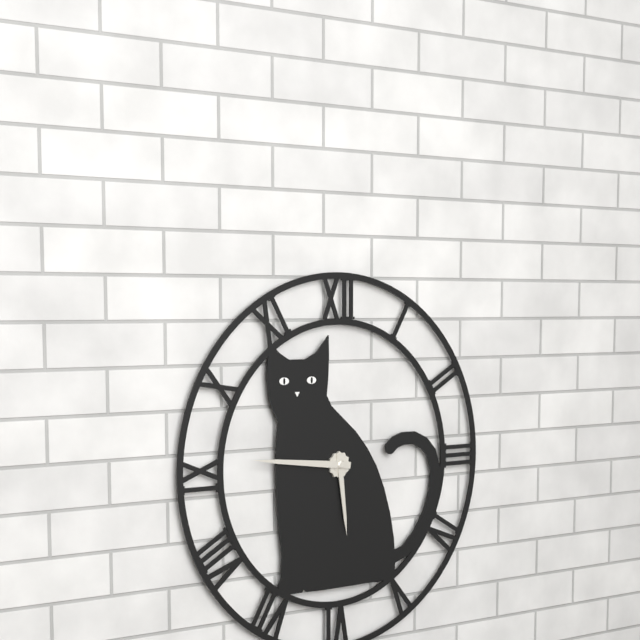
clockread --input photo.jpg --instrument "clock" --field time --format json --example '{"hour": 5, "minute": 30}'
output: {"hour": 5, "minute": 46}
